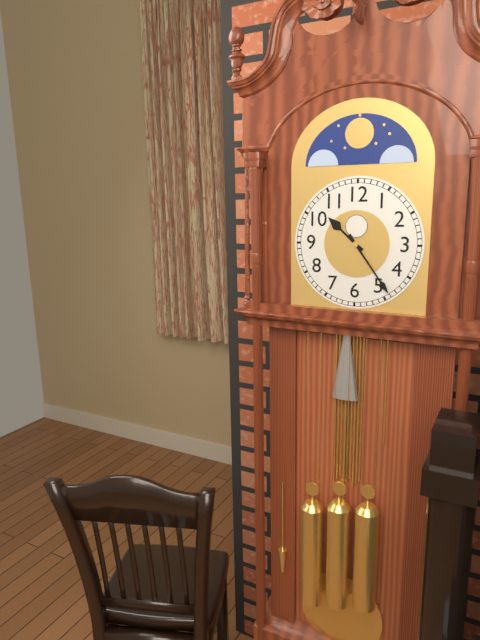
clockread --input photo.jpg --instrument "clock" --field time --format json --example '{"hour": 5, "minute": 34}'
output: {"hour": 10, "minute": 24}
